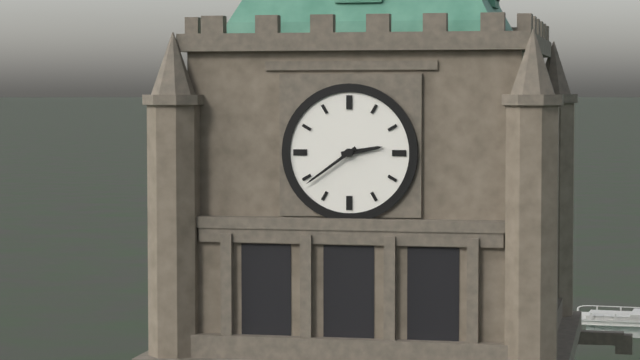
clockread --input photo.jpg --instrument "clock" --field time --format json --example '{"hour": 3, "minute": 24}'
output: {"hour": 2, "minute": 39}
